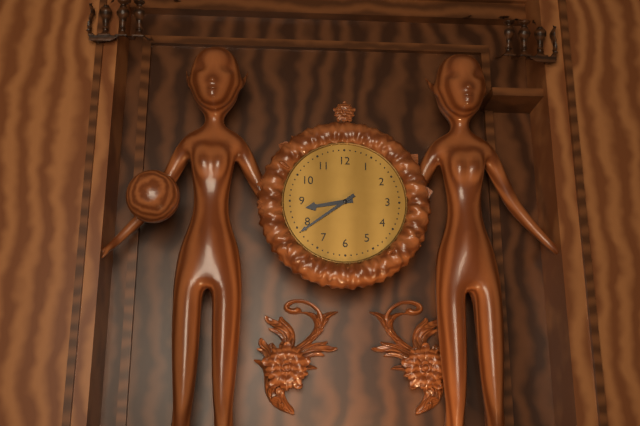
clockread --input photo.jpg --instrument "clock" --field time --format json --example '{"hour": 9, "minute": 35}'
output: {"hour": 8, "minute": 39}
